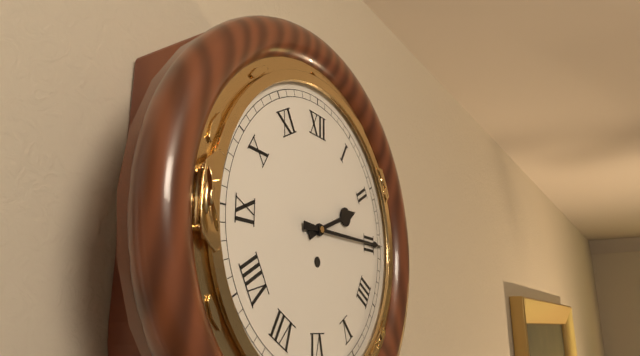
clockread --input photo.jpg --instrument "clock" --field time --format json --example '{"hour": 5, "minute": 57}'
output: {"hour": 2, "minute": 15}
